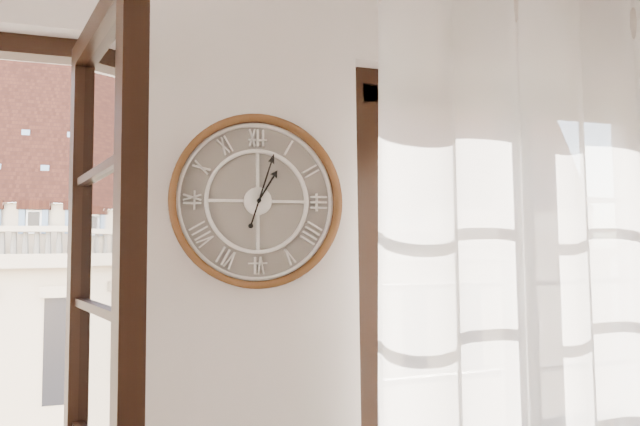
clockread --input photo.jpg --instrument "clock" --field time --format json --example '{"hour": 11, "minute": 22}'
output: {"hour": 1, "minute": 3}
